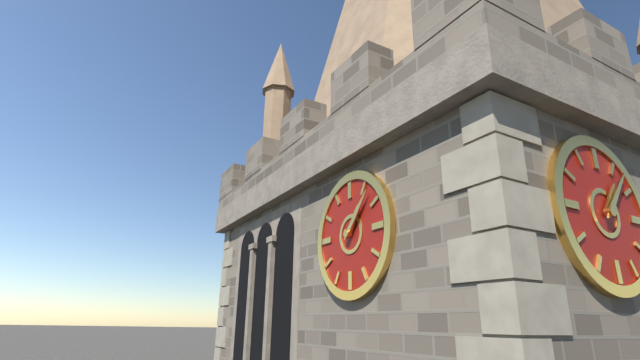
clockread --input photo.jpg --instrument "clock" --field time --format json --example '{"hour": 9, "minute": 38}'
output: {"hour": 1, "minute": 7}
